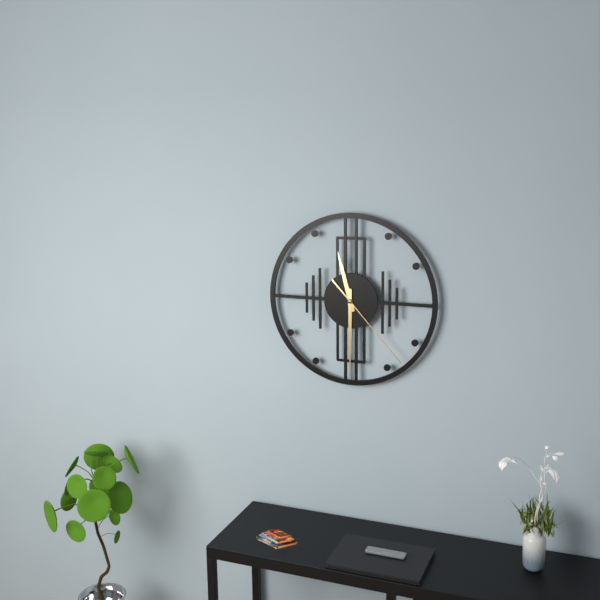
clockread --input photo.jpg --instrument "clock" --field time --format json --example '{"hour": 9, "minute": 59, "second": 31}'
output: {"hour": 11, "minute": 30, "second": 23}
